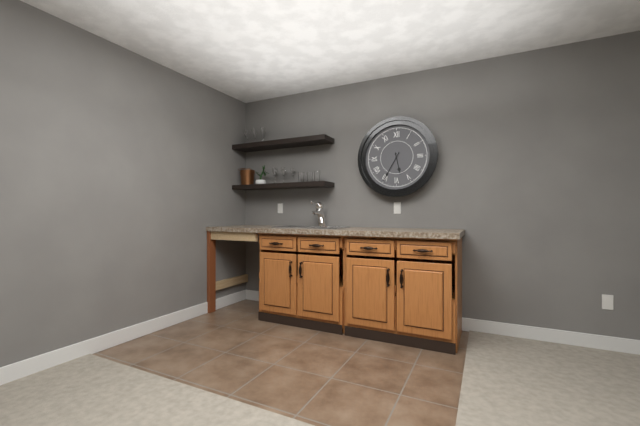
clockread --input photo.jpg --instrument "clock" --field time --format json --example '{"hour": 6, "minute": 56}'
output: {"hour": 5, "minute": 35}
